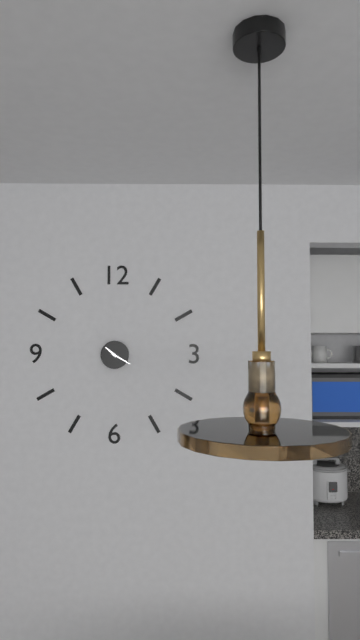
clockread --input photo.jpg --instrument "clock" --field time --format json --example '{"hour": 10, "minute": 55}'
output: {"hour": 10, "minute": 20}
